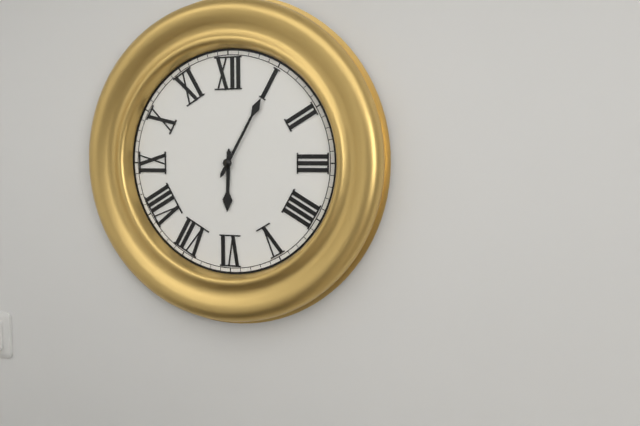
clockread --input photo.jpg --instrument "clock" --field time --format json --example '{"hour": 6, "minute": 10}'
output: {"hour": 6, "minute": 5}
